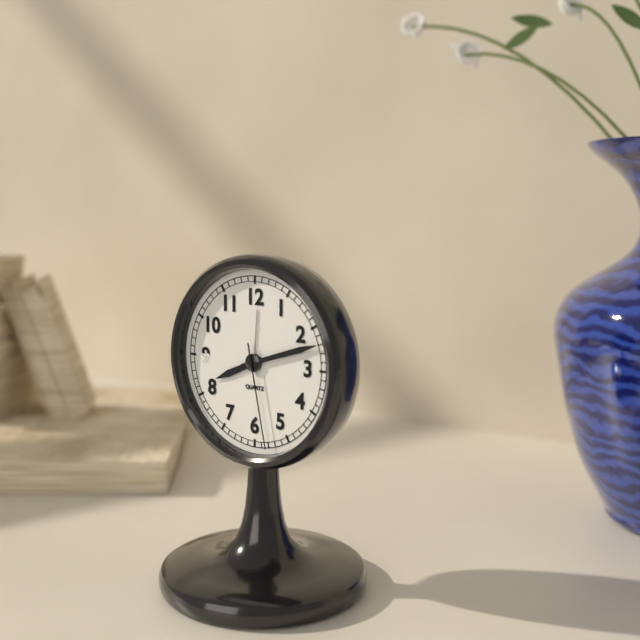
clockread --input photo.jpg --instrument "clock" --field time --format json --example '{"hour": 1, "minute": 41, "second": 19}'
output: {"hour": 8, "minute": 12, "second": 28}
